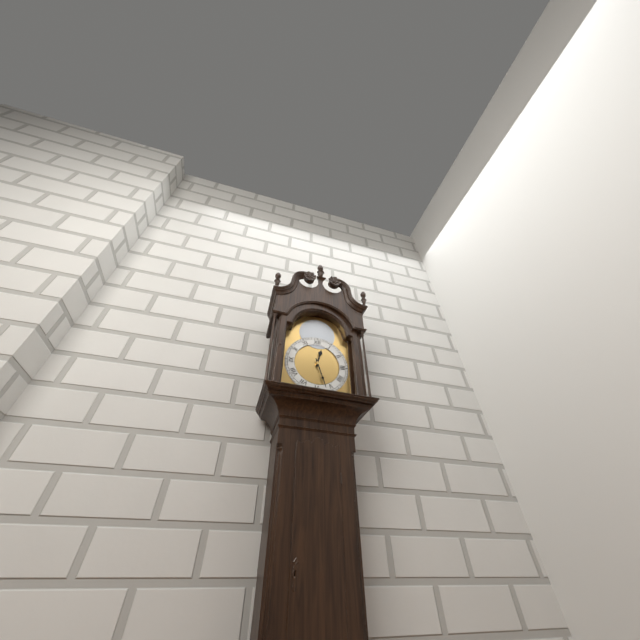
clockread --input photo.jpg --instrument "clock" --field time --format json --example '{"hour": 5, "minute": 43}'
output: {"hour": 12, "minute": 27}
